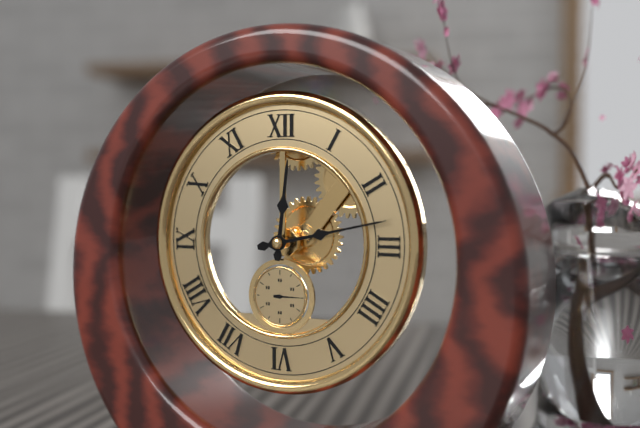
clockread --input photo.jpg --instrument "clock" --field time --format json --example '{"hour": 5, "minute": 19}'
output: {"hour": 12, "minute": 13}
